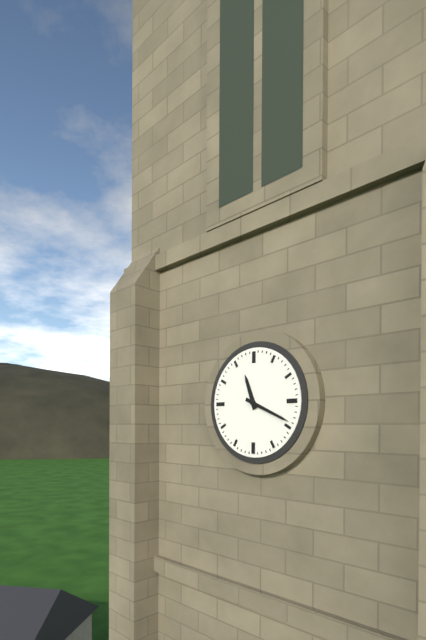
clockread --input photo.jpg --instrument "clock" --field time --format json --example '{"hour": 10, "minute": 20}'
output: {"hour": 11, "minute": 19}
